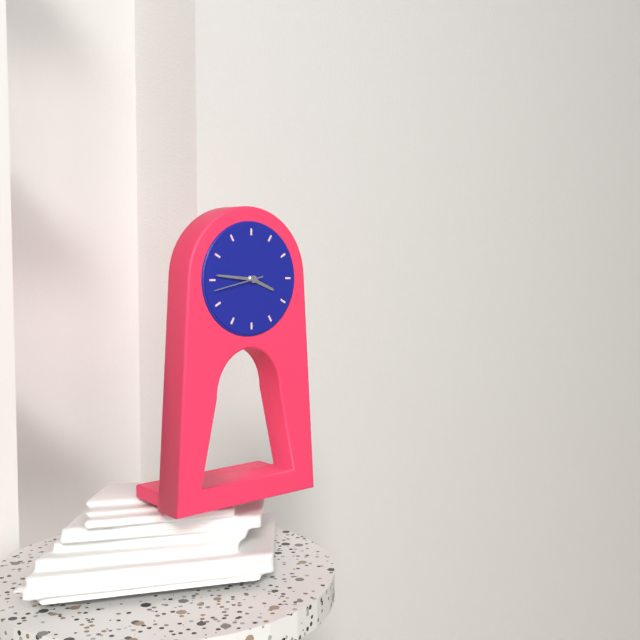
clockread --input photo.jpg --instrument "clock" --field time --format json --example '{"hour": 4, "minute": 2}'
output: {"hour": 3, "minute": 46}
